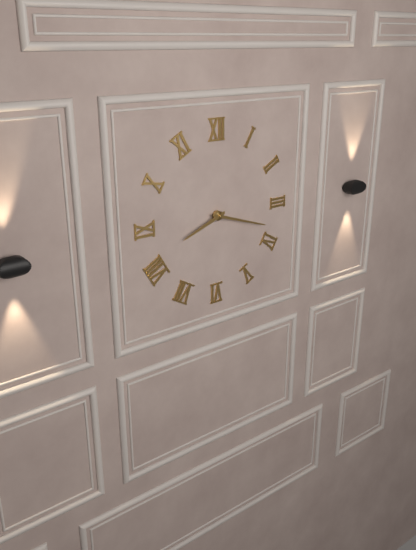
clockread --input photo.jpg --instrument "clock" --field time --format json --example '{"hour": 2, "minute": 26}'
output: {"hour": 8, "minute": 18}
